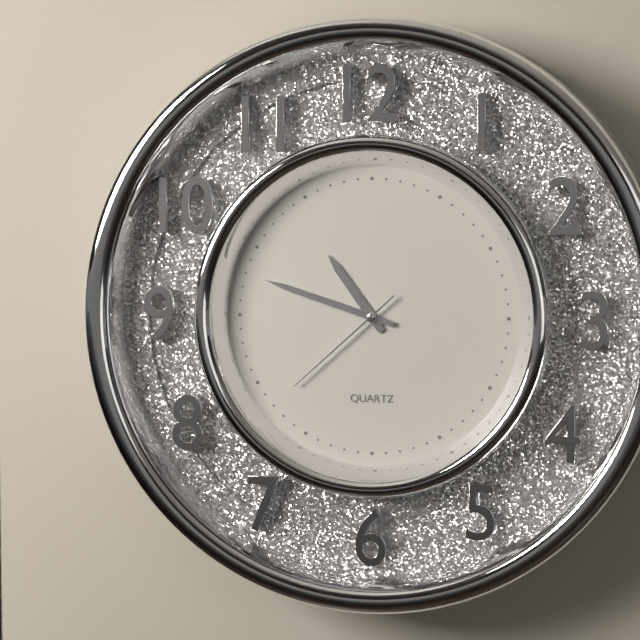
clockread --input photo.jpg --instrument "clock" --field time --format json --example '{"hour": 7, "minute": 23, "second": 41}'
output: {"hour": 10, "minute": 48, "second": 38}
